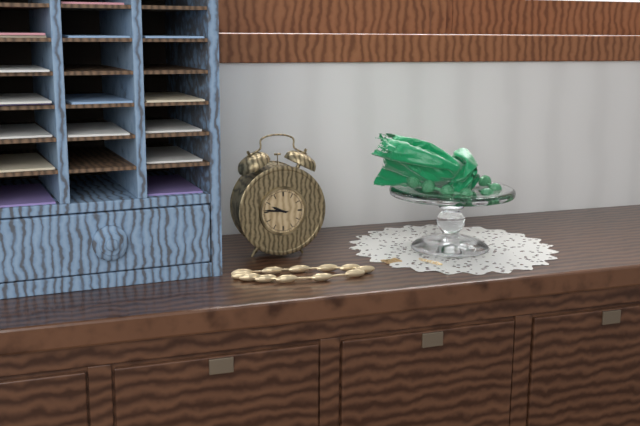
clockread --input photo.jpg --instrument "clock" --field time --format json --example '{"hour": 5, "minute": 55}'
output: {"hour": 9, "minute": 46}
